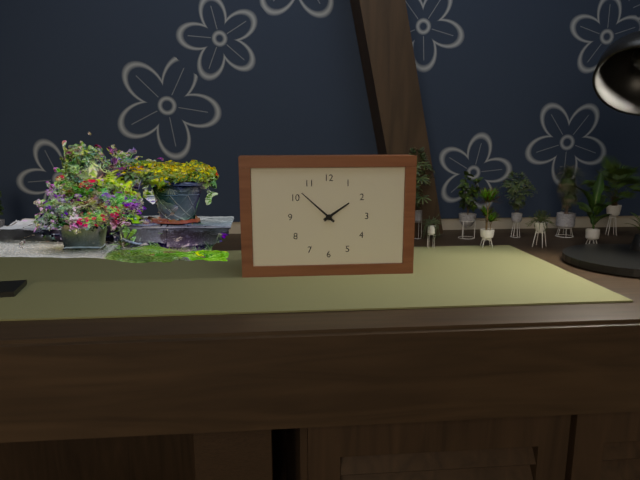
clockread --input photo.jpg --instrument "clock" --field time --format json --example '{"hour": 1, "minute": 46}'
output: {"hour": 1, "minute": 52}
